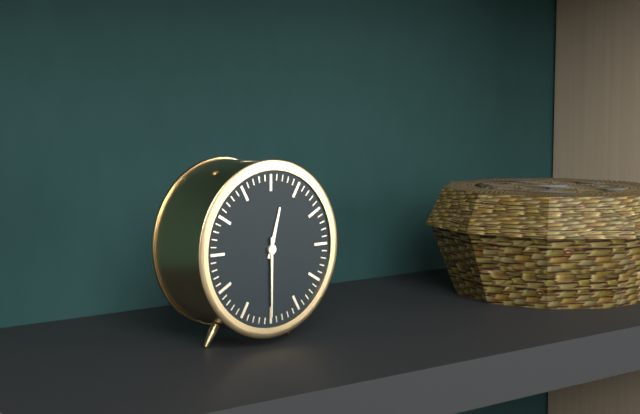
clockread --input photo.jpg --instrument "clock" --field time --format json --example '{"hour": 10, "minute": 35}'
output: {"hour": 12, "minute": 30}
